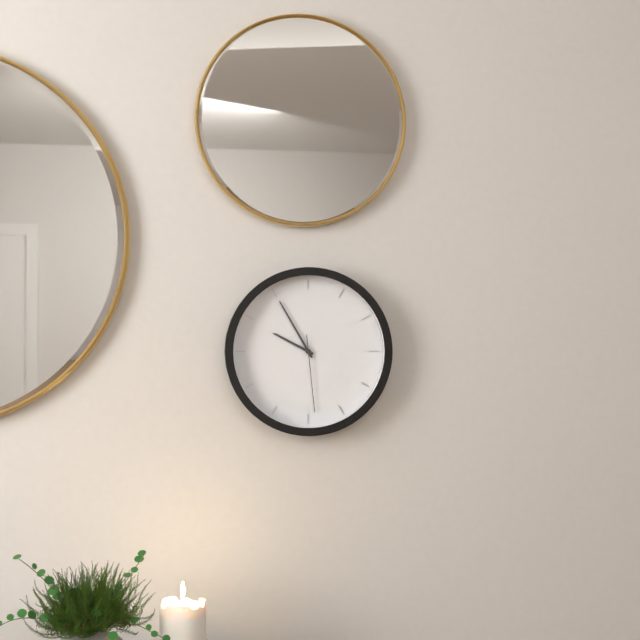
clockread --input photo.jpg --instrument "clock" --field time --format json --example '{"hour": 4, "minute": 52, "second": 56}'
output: {"hour": 9, "minute": 55, "second": 29}
